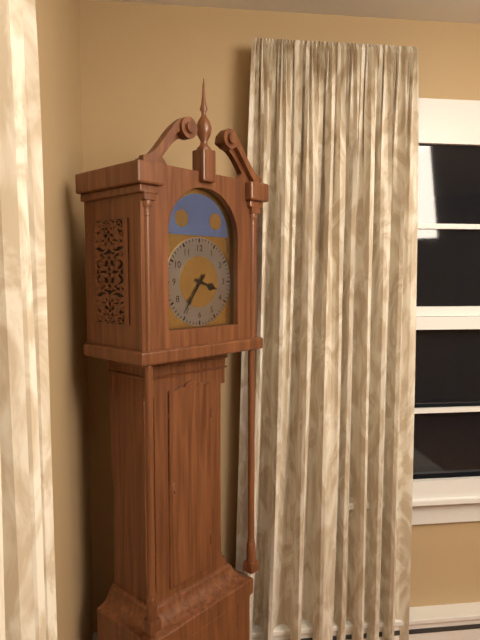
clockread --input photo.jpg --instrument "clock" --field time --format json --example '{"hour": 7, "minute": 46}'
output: {"hour": 3, "minute": 36}
